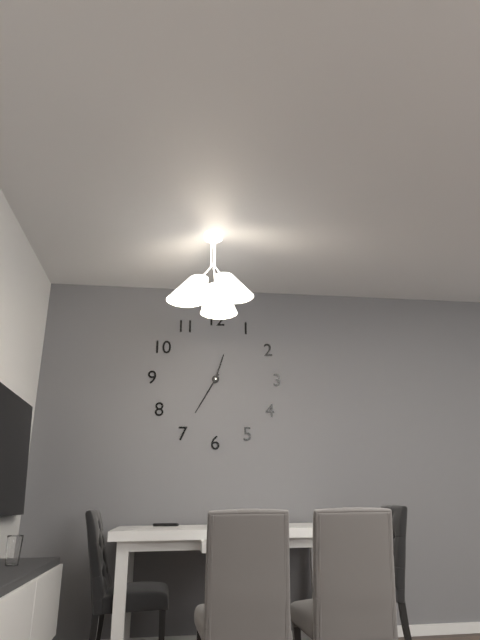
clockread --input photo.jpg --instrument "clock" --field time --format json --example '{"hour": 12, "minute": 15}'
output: {"hour": 12, "minute": 35}
